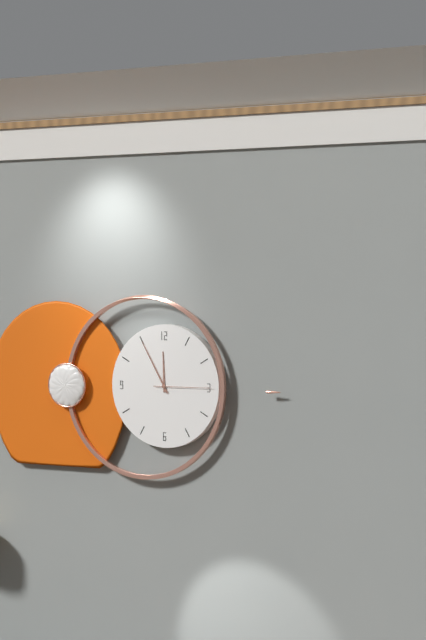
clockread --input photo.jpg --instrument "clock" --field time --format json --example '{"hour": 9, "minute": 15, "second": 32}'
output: {"hour": 11, "minute": 55, "second": 15}
